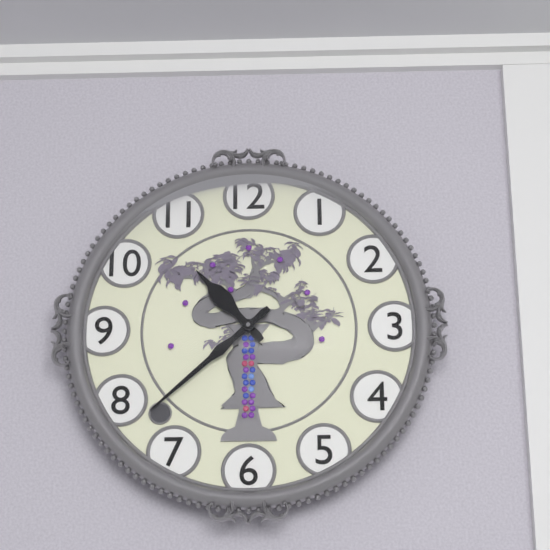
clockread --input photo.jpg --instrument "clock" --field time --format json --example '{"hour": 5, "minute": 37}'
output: {"hour": 10, "minute": 38}
